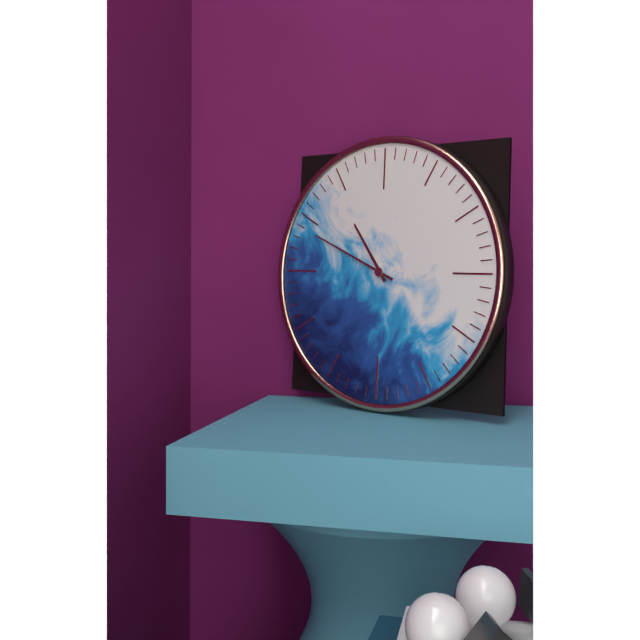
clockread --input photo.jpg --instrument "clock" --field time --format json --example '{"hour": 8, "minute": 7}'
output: {"hour": 10, "minute": 49}
